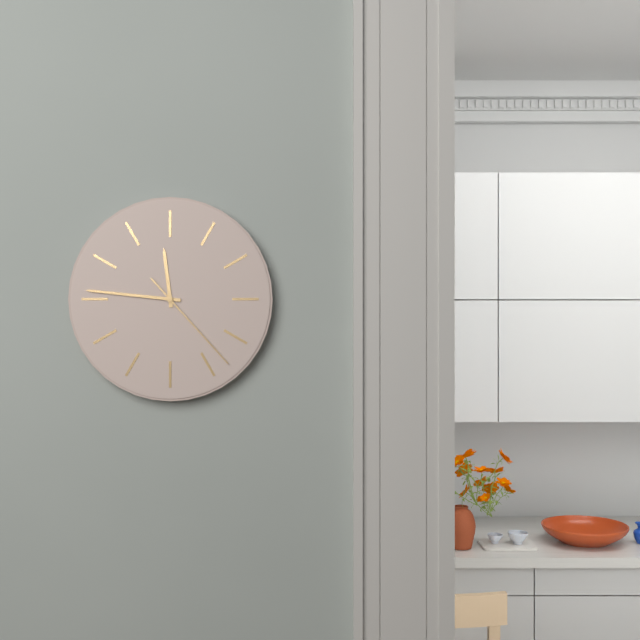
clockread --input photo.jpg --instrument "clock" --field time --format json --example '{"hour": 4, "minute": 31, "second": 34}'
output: {"hour": 11, "minute": 46, "second": 23}
